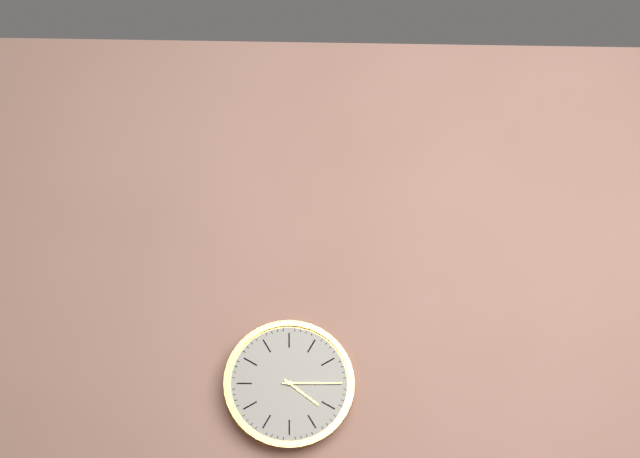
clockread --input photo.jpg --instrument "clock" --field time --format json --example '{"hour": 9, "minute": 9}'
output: {"hour": 4, "minute": 15}
